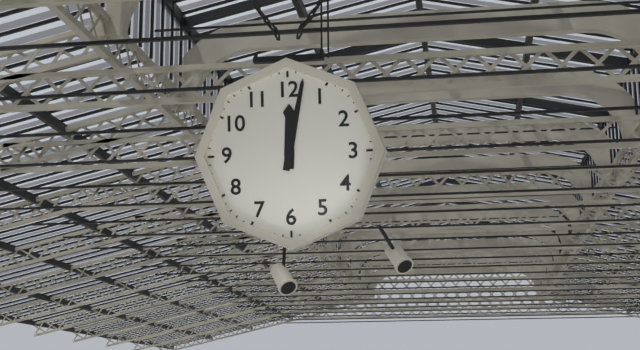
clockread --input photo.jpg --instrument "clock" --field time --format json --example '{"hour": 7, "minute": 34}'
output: {"hour": 12, "minute": 2}
